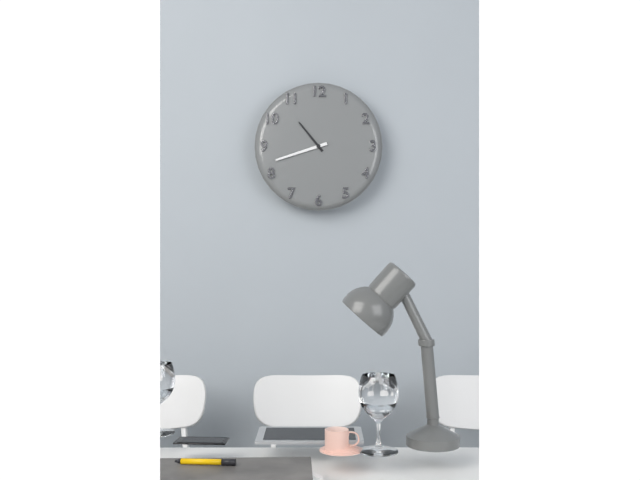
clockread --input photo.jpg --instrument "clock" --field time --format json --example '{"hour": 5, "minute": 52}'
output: {"hour": 10, "minute": 42}
